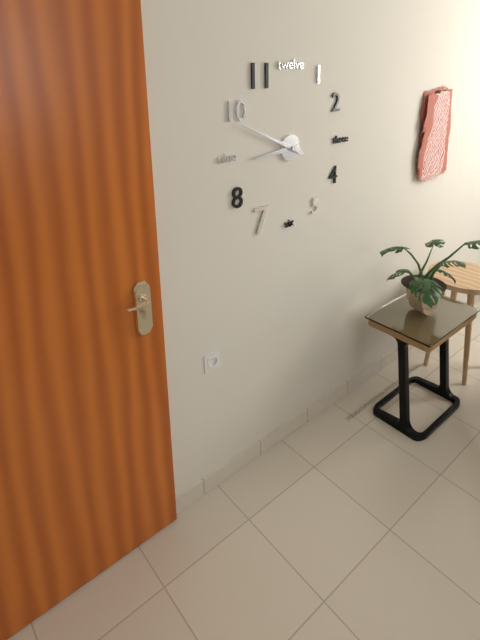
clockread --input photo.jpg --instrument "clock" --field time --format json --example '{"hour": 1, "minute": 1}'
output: {"hour": 8, "minute": 49}
